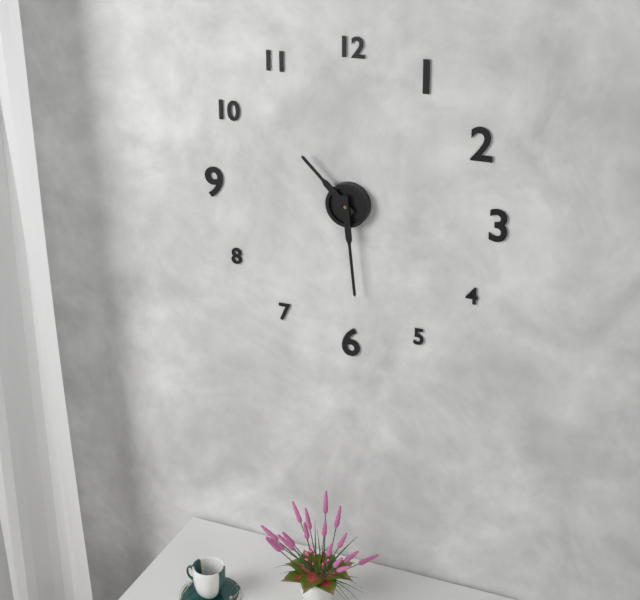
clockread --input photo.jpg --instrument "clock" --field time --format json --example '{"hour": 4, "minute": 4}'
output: {"hour": 10, "minute": 29}
